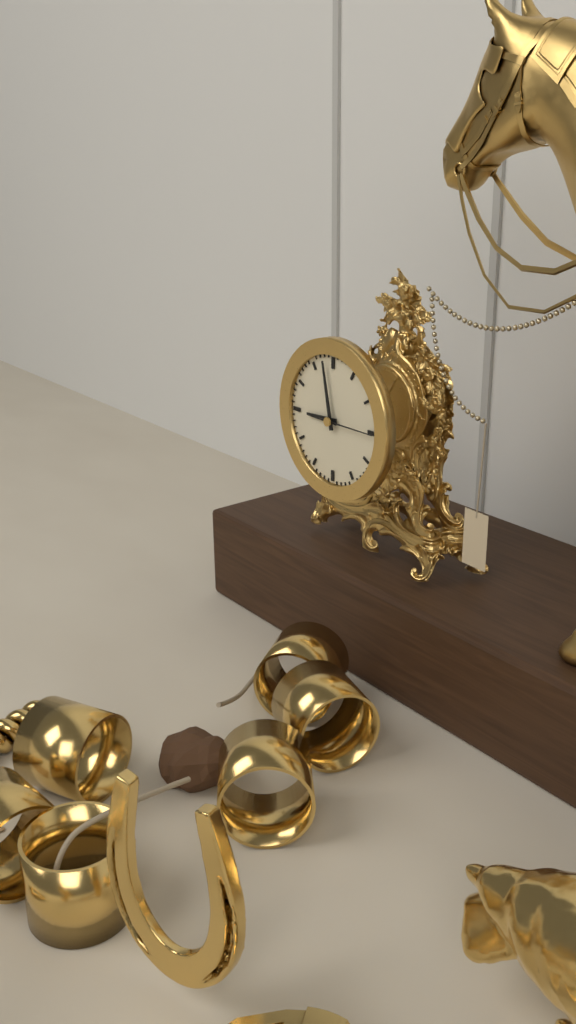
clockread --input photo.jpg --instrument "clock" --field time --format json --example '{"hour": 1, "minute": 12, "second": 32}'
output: {"hour": 8, "minute": 58, "second": 15}
